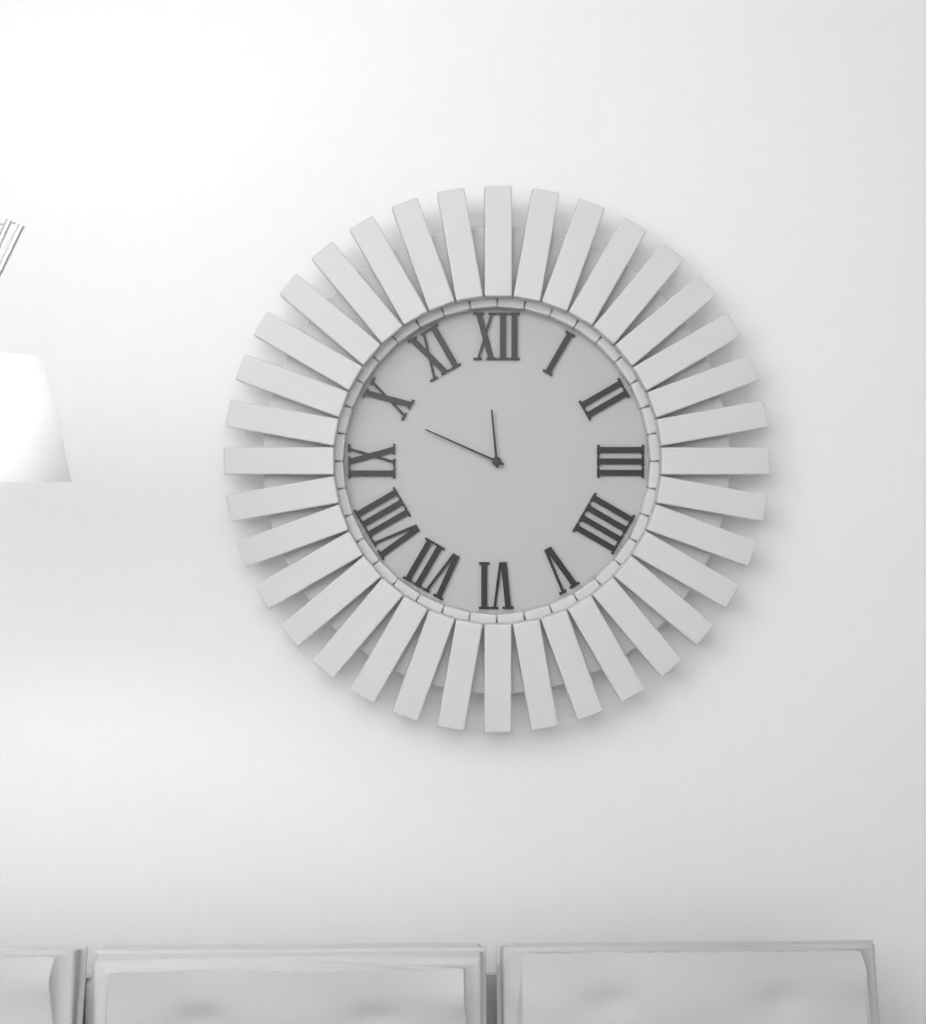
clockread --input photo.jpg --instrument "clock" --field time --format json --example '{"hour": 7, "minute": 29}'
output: {"hour": 11, "minute": 49}
